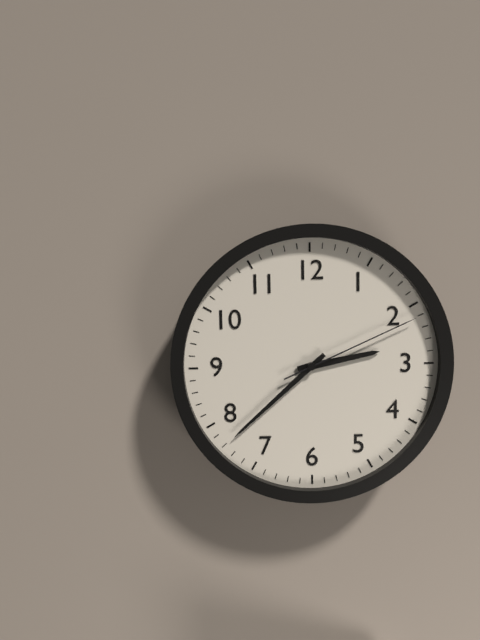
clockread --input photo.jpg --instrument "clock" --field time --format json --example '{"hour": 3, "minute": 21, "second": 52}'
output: {"hour": 2, "minute": 38, "second": 11}
